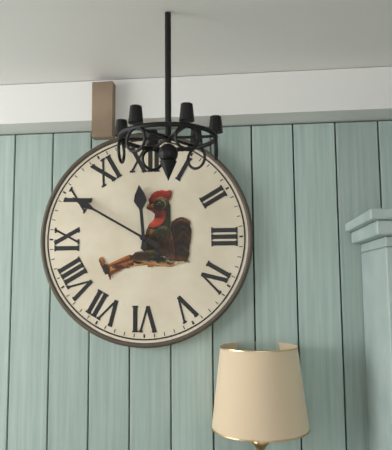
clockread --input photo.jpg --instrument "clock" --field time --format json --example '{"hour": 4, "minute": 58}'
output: {"hour": 11, "minute": 50}
